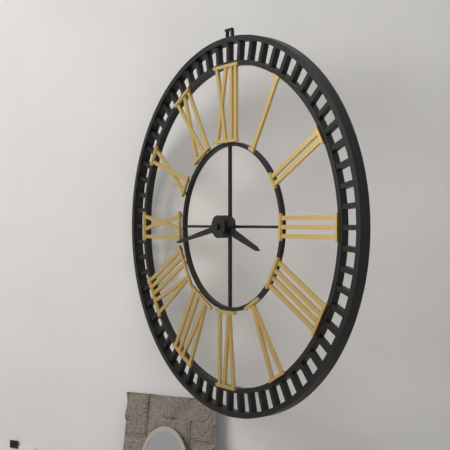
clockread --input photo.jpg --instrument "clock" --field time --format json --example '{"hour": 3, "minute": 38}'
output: {"hour": 3, "minute": 43}
